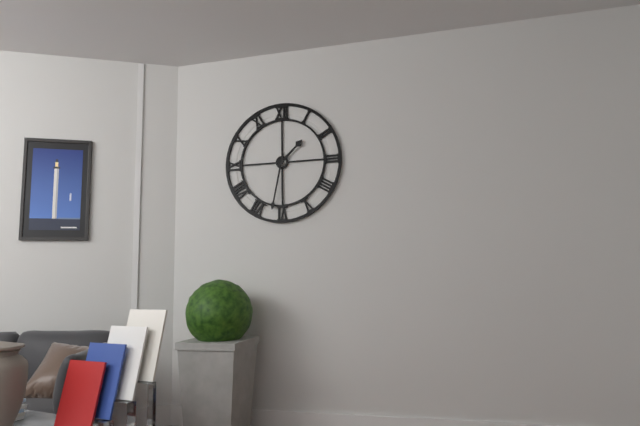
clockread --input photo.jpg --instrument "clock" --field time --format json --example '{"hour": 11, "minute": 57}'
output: {"hour": 1, "minute": 32}
